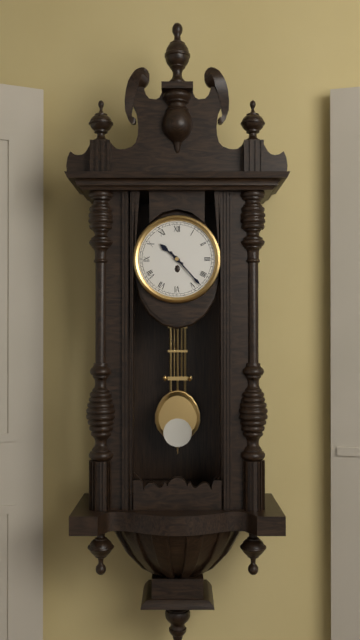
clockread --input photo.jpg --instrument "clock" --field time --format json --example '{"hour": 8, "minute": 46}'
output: {"hour": 10, "minute": 23}
